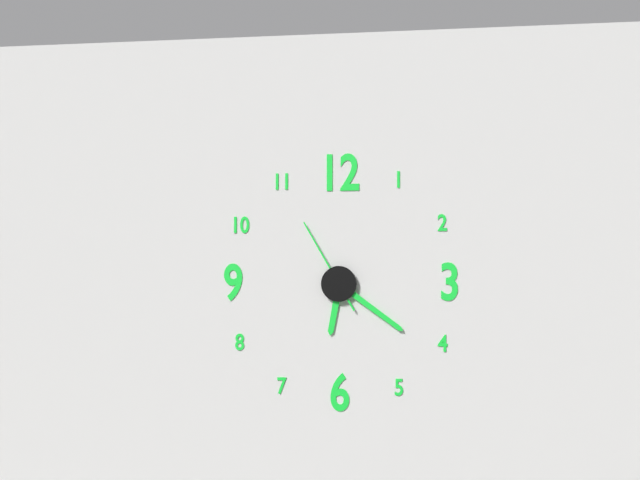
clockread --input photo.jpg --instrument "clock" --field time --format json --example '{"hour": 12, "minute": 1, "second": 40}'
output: {"hour": 6, "minute": 21, "second": 55}
